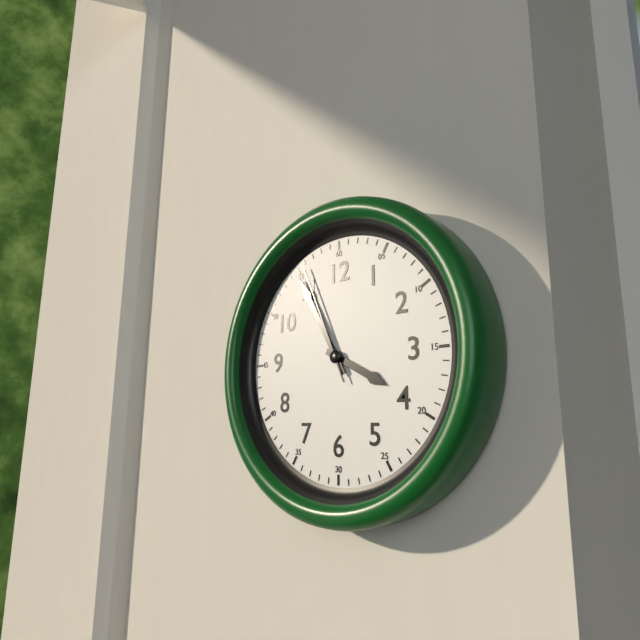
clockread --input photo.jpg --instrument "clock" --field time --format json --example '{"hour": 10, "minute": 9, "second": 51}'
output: {"hour": 3, "minute": 55, "second": 56}
